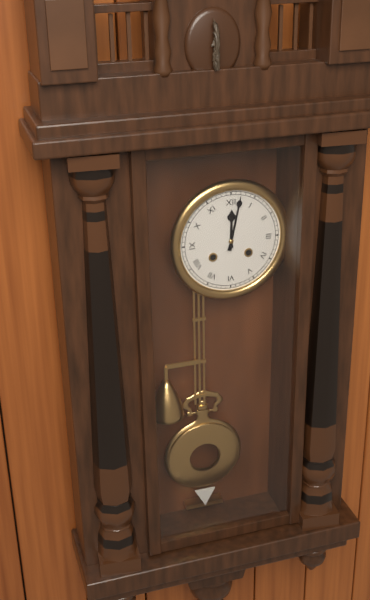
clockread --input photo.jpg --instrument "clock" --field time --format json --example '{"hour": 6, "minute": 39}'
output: {"hour": 12, "minute": 2}
